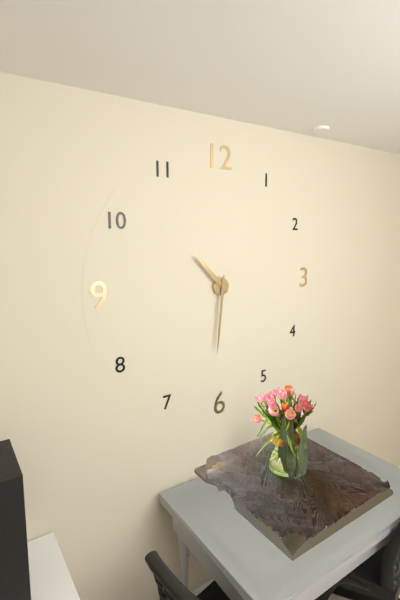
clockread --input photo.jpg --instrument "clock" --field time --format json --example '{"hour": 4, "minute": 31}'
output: {"hour": 10, "minute": 31}
